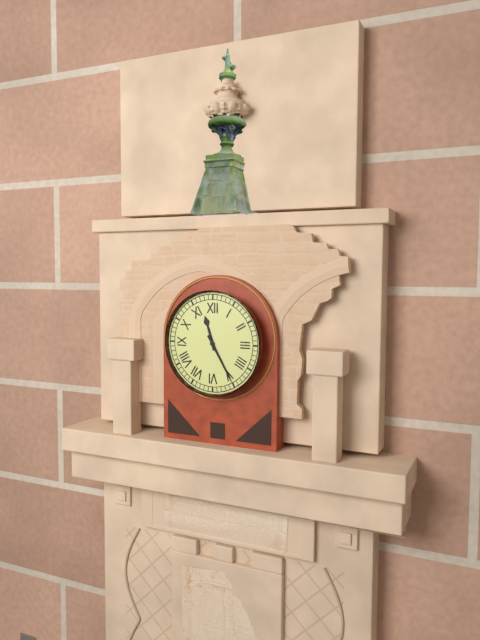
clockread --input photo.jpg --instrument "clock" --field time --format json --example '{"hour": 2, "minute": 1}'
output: {"hour": 11, "minute": 25}
